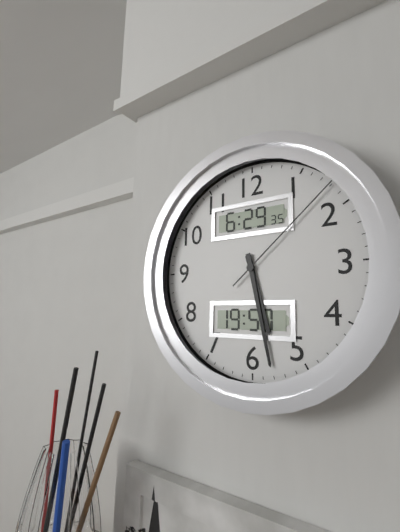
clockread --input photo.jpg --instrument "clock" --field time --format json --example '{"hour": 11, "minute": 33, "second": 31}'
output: {"hour": 5, "minute": 28, "second": 8}
